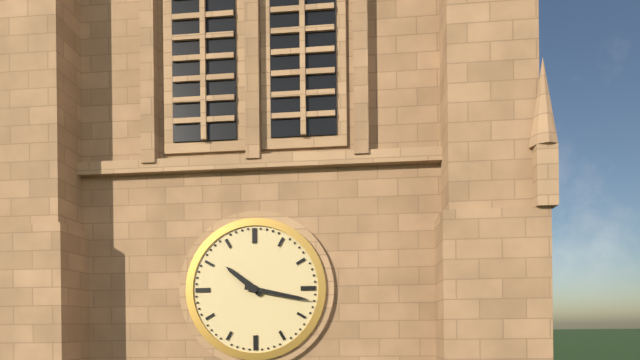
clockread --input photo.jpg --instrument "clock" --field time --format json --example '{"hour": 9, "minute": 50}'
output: {"hour": 10, "minute": 17}
